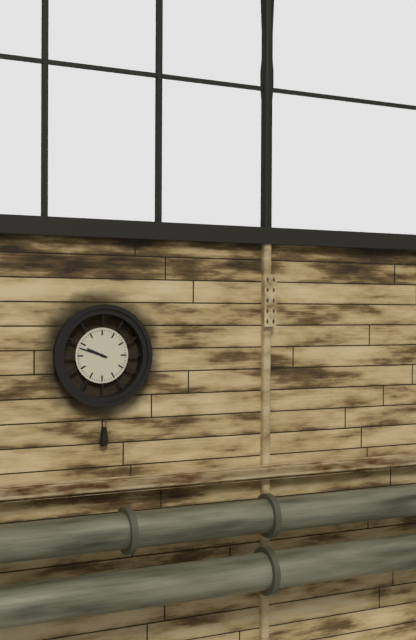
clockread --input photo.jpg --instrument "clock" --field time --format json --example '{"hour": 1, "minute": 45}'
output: {"hour": 9, "minute": 48}
